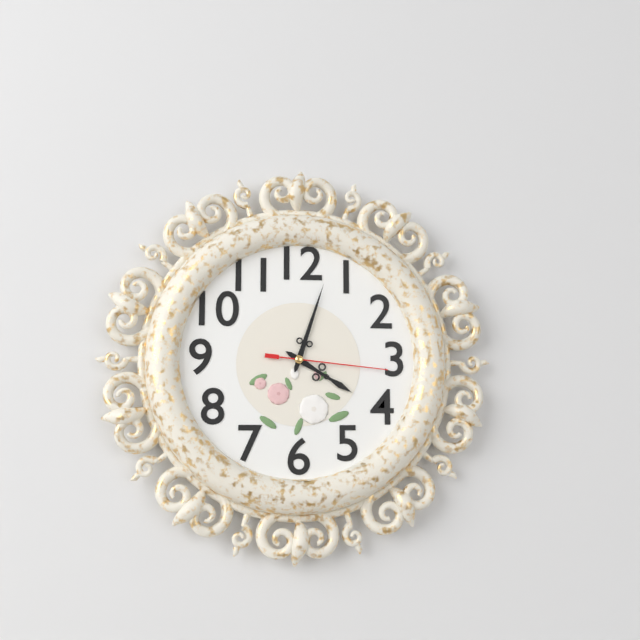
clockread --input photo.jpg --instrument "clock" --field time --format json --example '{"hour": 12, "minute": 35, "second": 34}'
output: {"hour": 4, "minute": 3, "second": 16}
